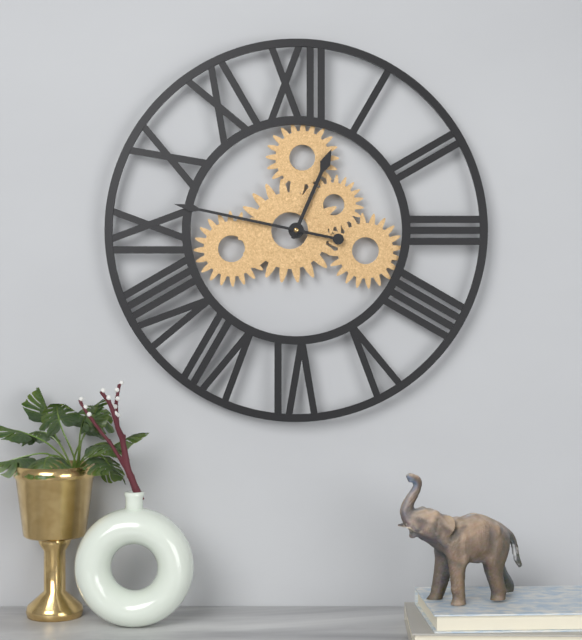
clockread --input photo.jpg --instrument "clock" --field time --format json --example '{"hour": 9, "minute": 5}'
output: {"hour": 12, "minute": 47}
